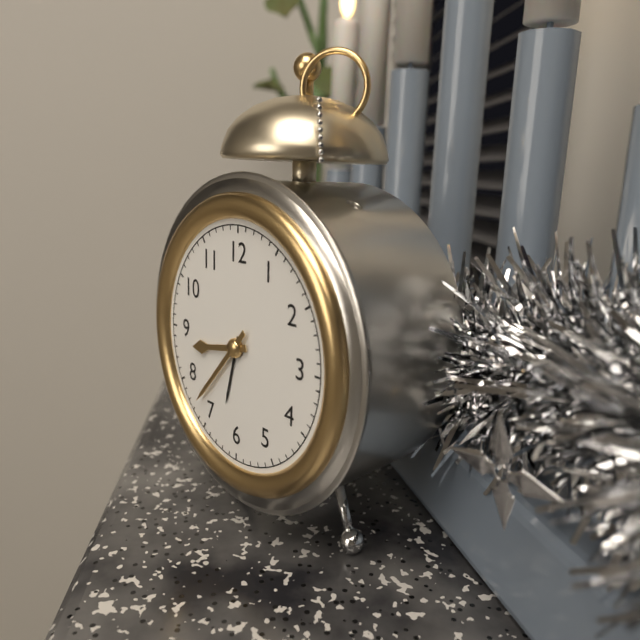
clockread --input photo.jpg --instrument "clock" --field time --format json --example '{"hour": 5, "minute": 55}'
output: {"hour": 8, "minute": 37}
